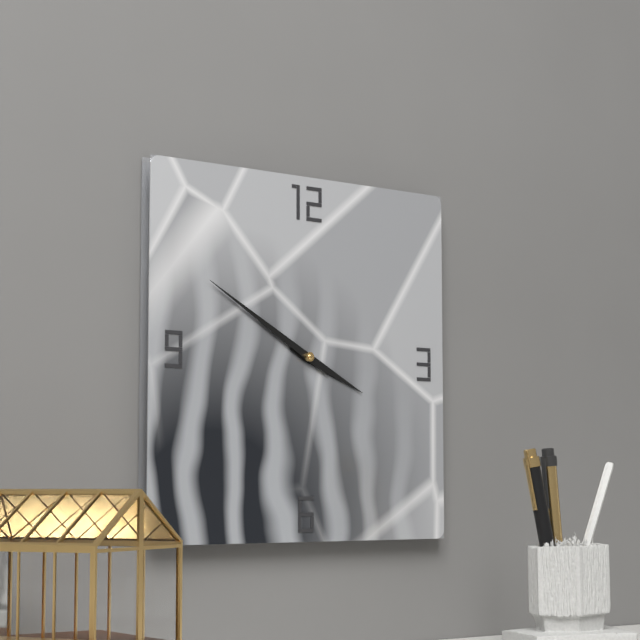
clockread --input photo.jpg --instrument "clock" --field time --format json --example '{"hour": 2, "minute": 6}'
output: {"hour": 3, "minute": 50}
